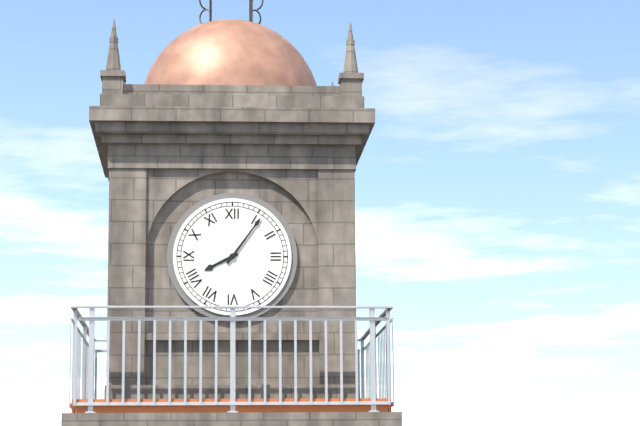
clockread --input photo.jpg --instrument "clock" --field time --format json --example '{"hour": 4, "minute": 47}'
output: {"hour": 8, "minute": 6}
